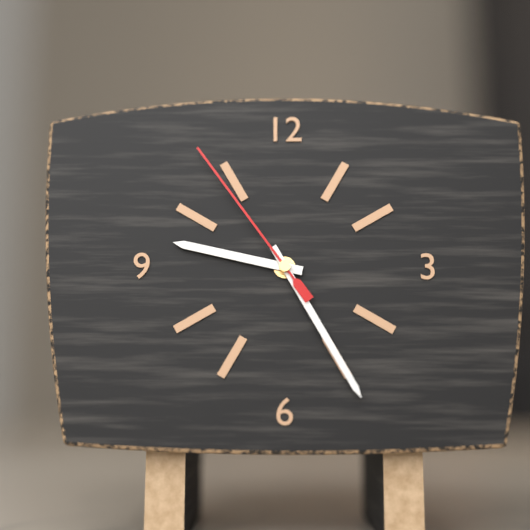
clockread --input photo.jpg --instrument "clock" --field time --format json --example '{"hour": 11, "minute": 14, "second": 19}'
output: {"hour": 9, "minute": 25, "second": 54}
